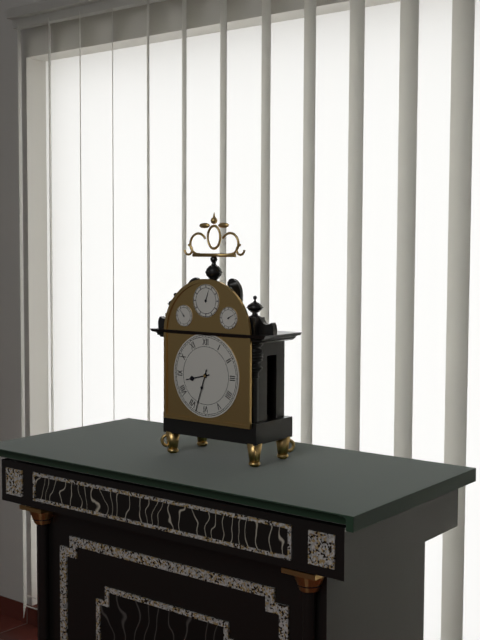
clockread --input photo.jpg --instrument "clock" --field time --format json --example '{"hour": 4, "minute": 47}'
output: {"hour": 8, "minute": 33}
